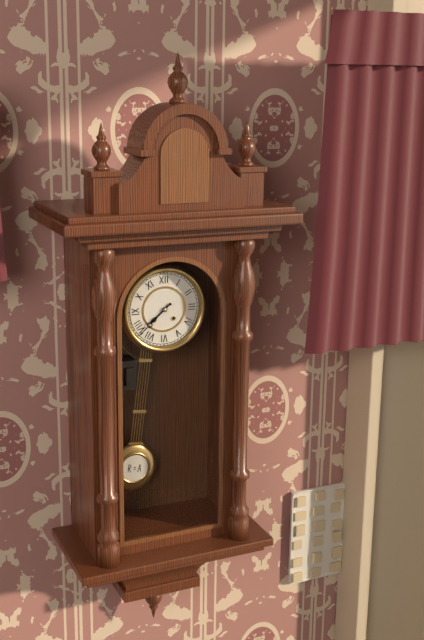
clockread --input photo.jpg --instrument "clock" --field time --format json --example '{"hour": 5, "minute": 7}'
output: {"hour": 7, "minute": 38}
